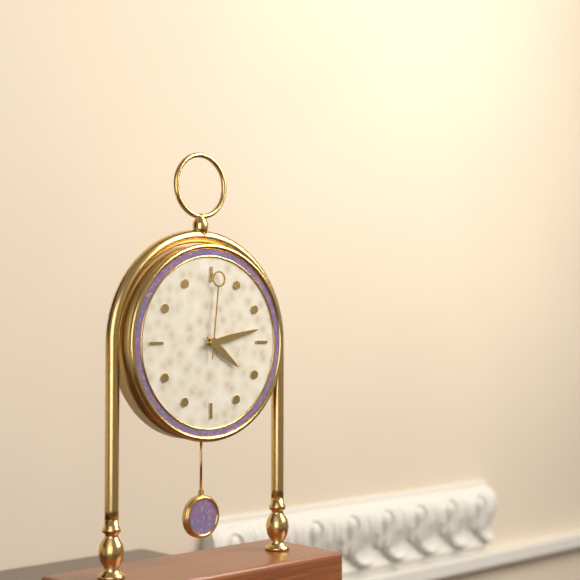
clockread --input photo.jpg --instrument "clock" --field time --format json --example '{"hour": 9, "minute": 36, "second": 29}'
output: {"hour": 4, "minute": 13, "second": 1}
